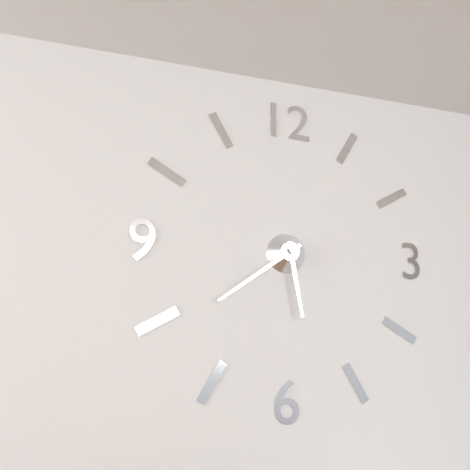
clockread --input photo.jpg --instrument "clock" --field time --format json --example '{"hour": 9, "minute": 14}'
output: {"hour": 5, "minute": 39}
